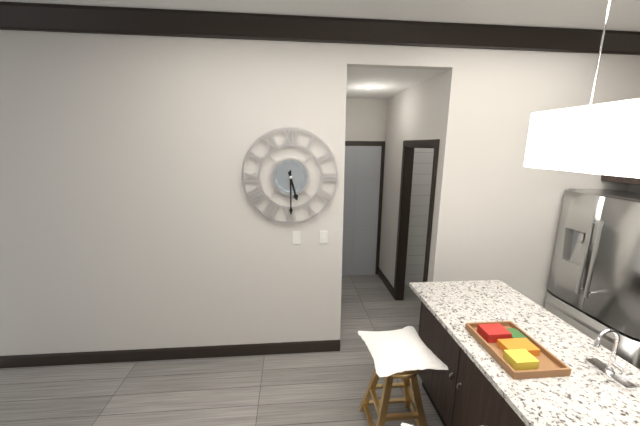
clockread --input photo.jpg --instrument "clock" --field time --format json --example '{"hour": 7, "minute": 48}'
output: {"hour": 5, "minute": 30}
